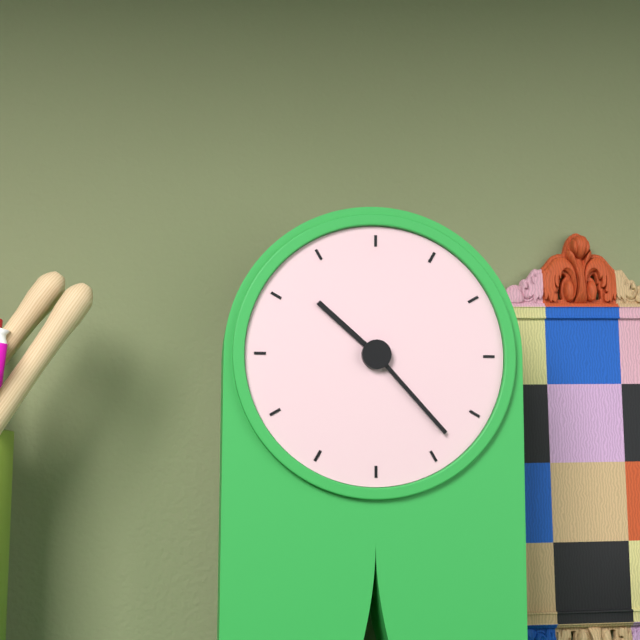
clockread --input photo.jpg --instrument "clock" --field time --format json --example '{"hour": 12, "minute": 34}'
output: {"hour": 10, "minute": 23}
